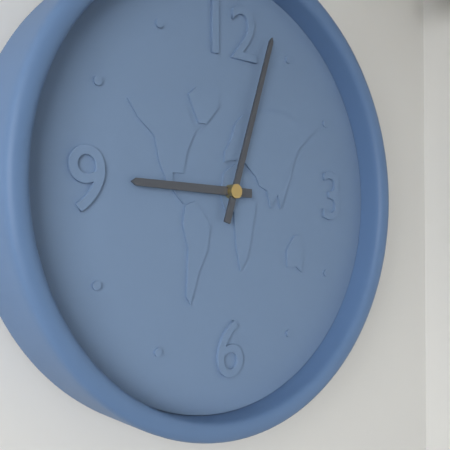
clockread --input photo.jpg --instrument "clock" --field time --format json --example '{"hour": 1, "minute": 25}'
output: {"hour": 9, "minute": 3}
